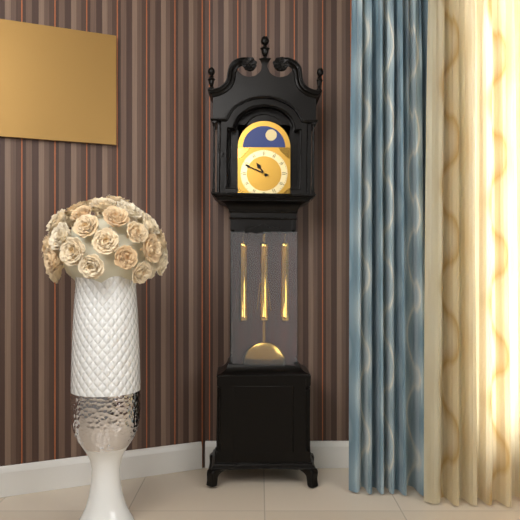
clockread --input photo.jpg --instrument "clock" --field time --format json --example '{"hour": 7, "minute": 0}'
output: {"hour": 10, "minute": 49}
